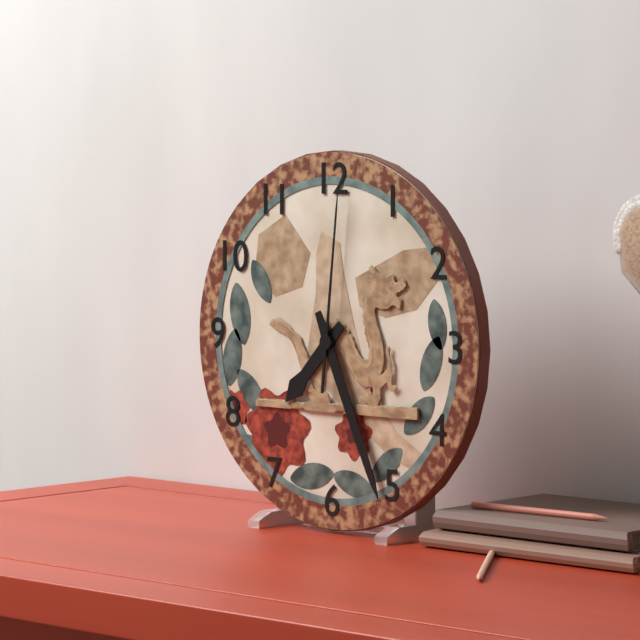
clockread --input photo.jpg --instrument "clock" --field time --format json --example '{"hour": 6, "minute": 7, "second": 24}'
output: {"hour": 7, "minute": 26, "second": 1}
